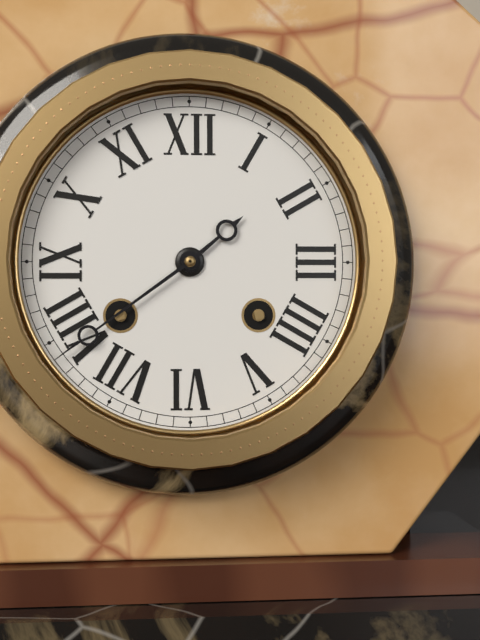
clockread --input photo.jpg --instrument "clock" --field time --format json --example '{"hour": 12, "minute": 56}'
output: {"hour": 1, "minute": 39}
